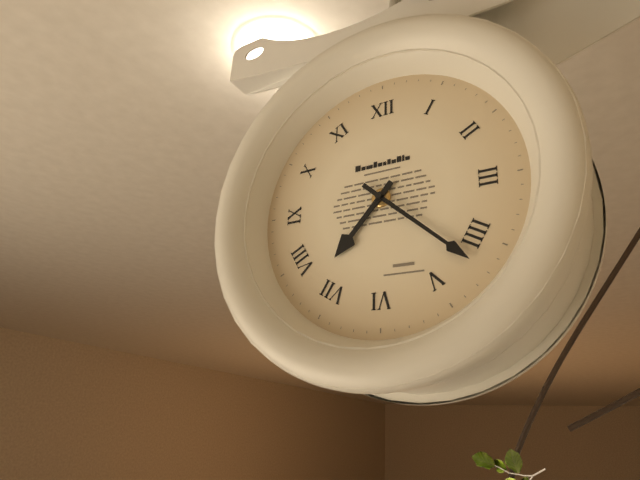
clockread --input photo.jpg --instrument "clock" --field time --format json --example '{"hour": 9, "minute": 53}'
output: {"hour": 7, "minute": 22}
